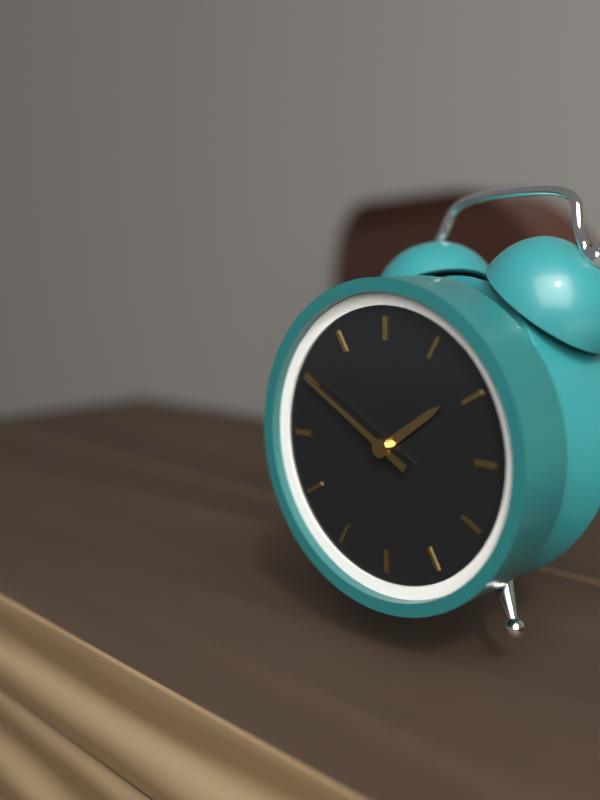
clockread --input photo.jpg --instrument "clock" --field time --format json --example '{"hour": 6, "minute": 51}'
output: {"hour": 1, "minute": 50}
